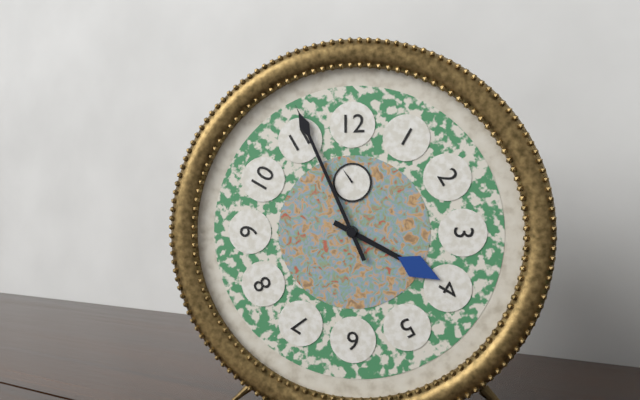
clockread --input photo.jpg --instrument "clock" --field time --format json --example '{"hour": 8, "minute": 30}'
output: {"hour": 3, "minute": 56}
